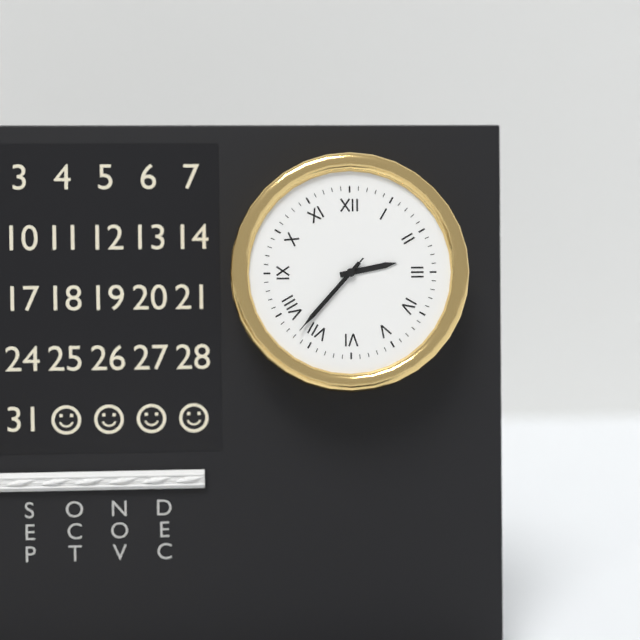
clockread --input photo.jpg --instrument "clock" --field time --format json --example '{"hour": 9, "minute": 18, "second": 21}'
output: {"hour": 2, "minute": 37, "second": 37}
